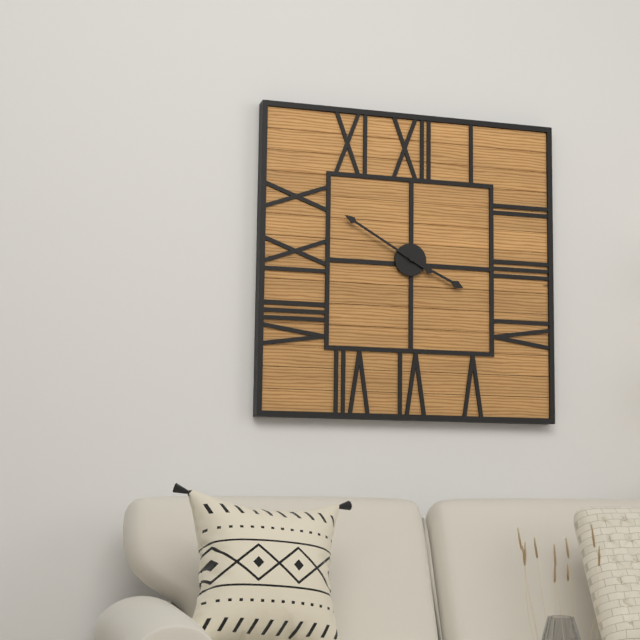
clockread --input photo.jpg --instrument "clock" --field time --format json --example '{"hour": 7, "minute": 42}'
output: {"hour": 3, "minute": 50}
